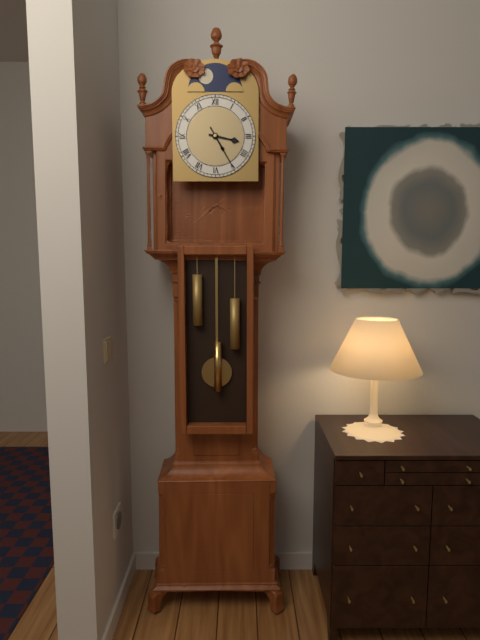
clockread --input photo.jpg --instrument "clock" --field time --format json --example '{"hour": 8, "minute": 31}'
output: {"hour": 3, "minute": 25}
